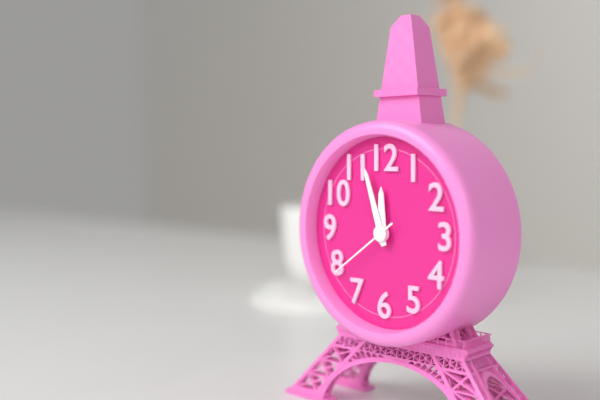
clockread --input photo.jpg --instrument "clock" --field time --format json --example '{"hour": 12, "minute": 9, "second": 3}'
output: {"hour": 11, "minute": 57, "second": 39}
